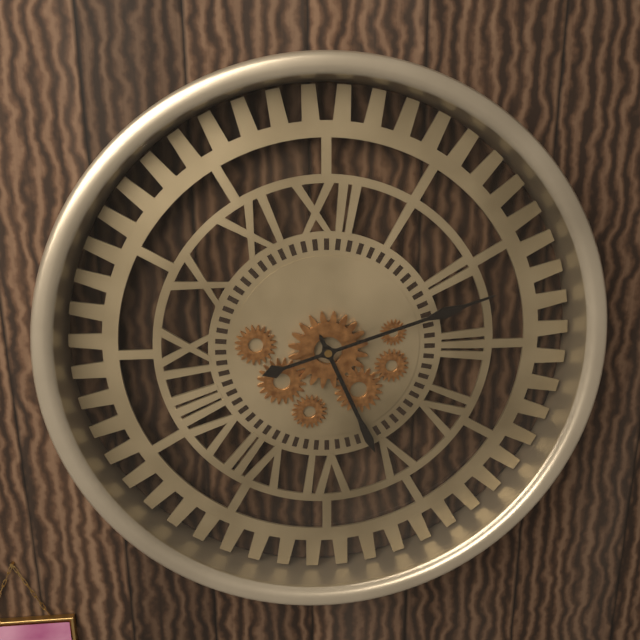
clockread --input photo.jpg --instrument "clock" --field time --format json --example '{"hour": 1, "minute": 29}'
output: {"hour": 5, "minute": 12}
